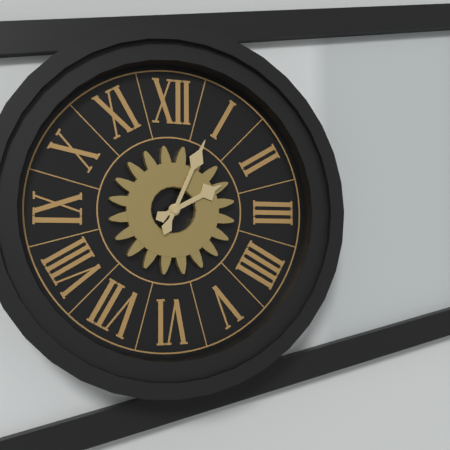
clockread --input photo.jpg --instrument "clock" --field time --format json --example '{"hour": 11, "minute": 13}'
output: {"hour": 2, "minute": 4}
